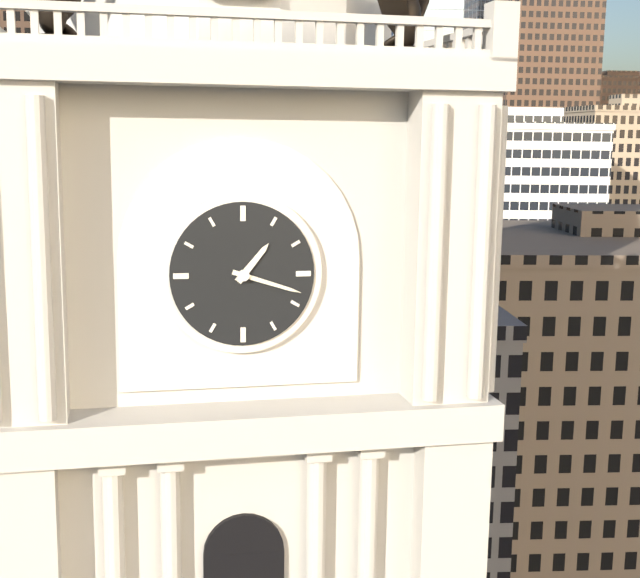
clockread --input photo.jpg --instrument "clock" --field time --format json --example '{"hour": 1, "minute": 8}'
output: {"hour": 1, "minute": 18}
